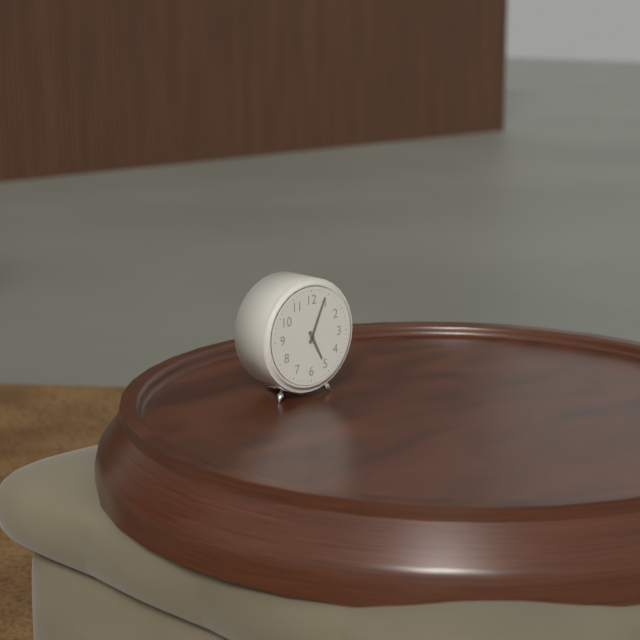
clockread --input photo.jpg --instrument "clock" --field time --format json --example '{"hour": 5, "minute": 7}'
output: {"hour": 5, "minute": 4}
